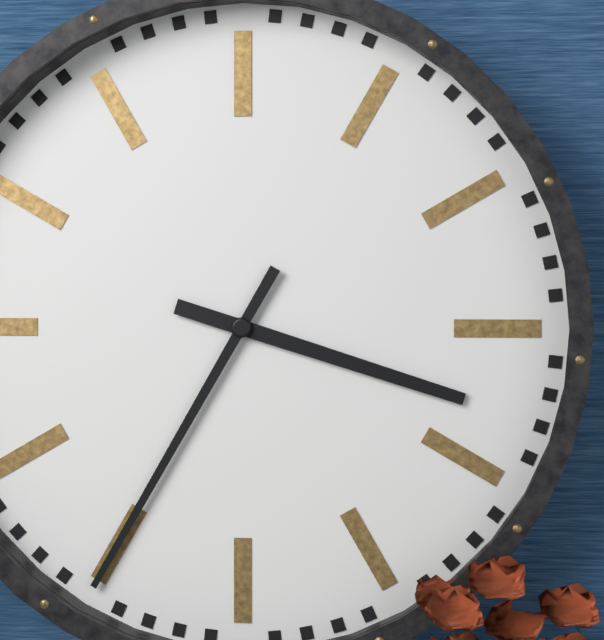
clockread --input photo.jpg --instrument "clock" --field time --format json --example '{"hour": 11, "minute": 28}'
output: {"hour": 3, "minute": 35}
